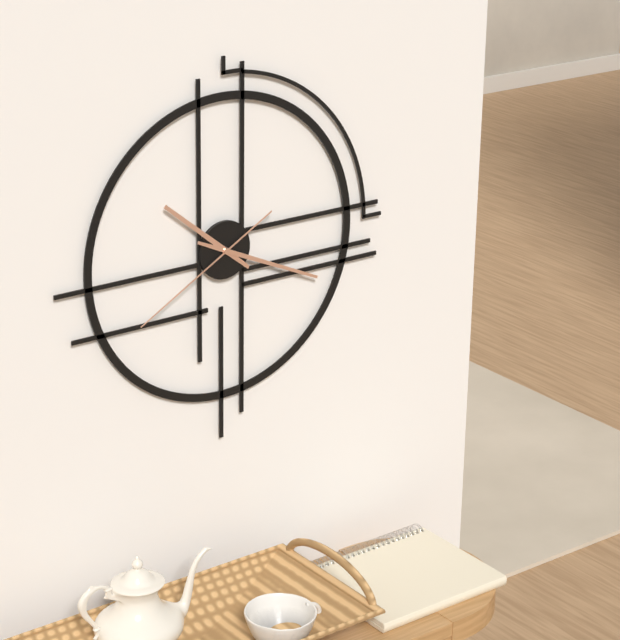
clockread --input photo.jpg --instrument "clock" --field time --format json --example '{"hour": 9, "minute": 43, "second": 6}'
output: {"hour": 10, "minute": 19, "second": 40}
